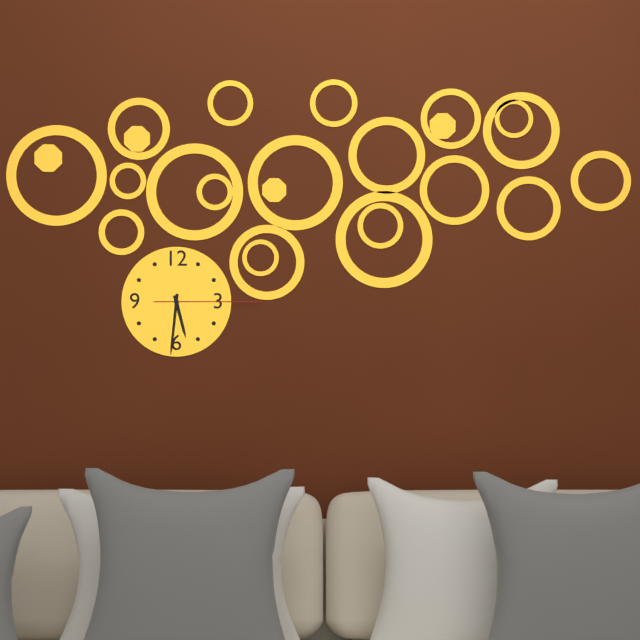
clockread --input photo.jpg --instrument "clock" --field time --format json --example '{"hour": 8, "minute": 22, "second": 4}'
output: {"hour": 5, "minute": 31, "second": 15}
